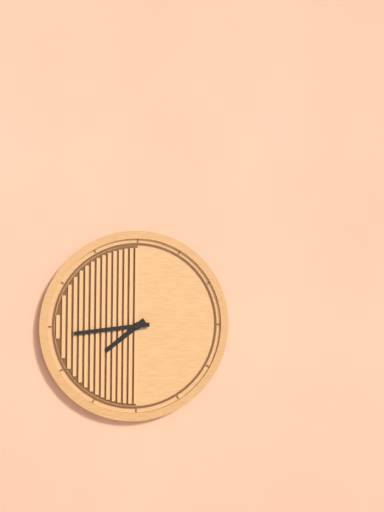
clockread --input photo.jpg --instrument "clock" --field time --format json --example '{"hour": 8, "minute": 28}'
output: {"hour": 7, "minute": 44}
